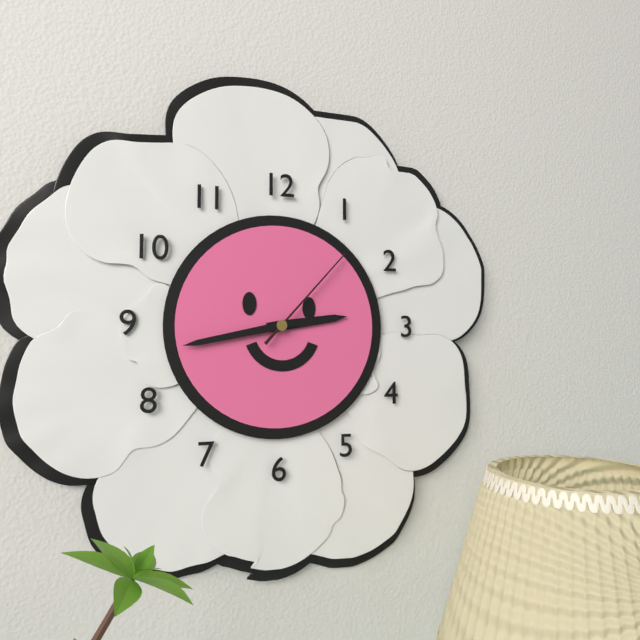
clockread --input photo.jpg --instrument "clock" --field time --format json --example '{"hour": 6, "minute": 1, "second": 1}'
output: {"hour": 2, "minute": 43, "second": 7}
